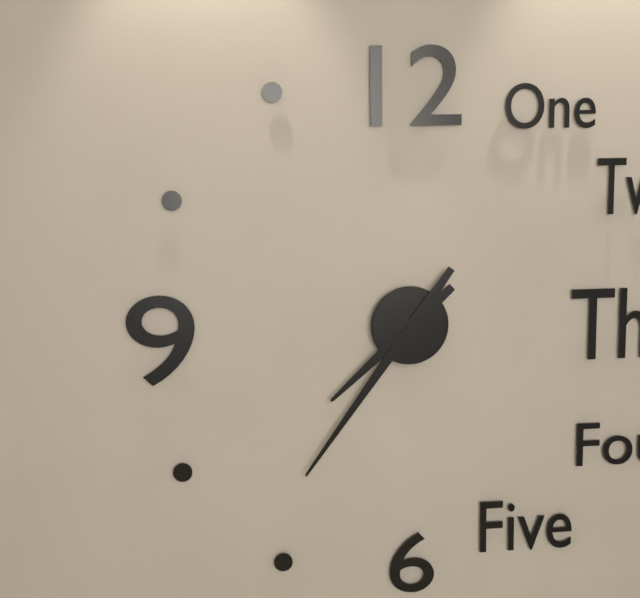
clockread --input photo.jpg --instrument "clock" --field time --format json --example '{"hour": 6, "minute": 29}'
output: {"hour": 7, "minute": 36}
